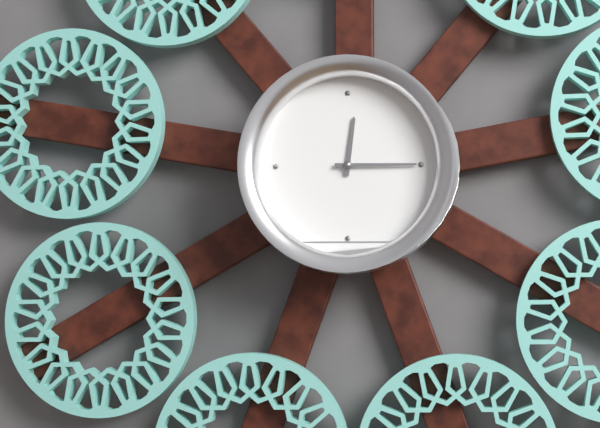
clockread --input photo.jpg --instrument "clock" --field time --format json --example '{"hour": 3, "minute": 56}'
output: {"hour": 12, "minute": 15}
